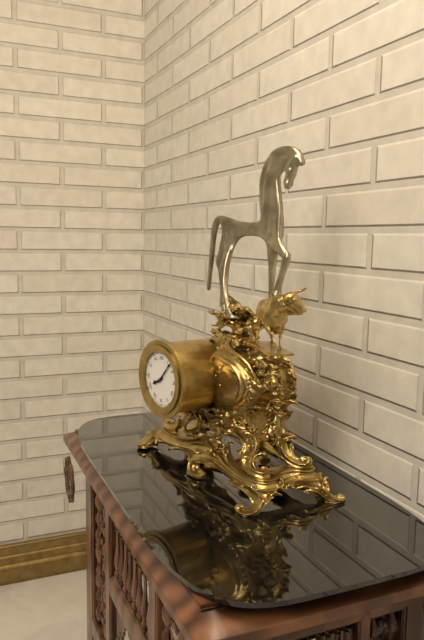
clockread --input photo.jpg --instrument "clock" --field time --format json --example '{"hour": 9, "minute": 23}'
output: {"hour": 8, "minute": 7}
